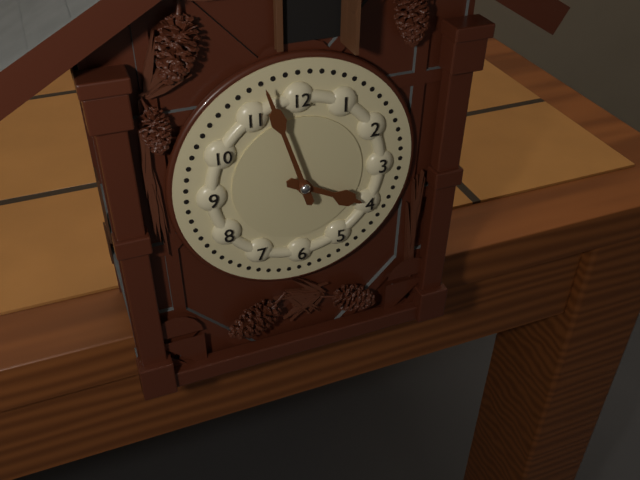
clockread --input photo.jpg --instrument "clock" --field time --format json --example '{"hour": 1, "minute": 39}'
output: {"hour": 3, "minute": 57}
